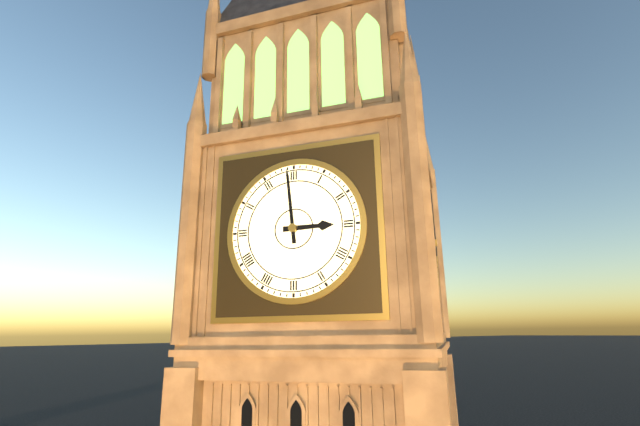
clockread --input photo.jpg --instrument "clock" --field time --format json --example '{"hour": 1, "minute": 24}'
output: {"hour": 2, "minute": 59}
